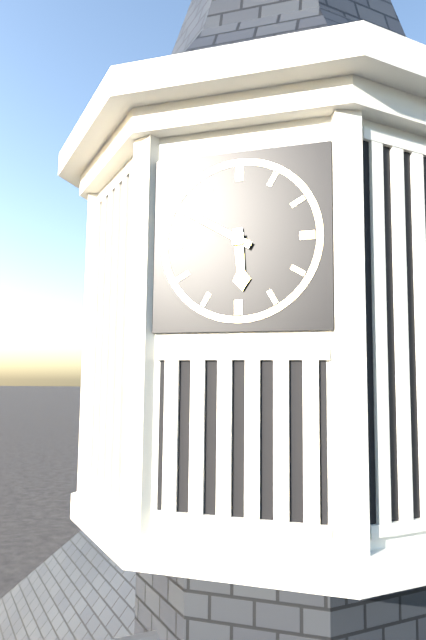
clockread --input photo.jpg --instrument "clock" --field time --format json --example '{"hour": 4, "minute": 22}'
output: {"hour": 5, "minute": 50}
